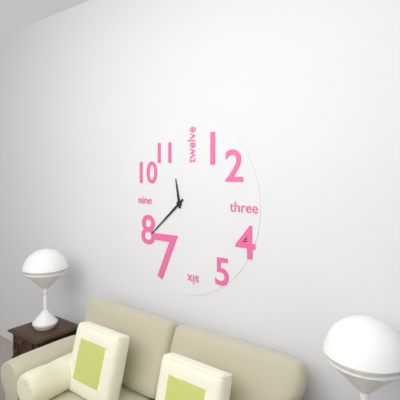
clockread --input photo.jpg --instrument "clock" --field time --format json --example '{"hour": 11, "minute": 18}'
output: {"hour": 11, "minute": 38}
